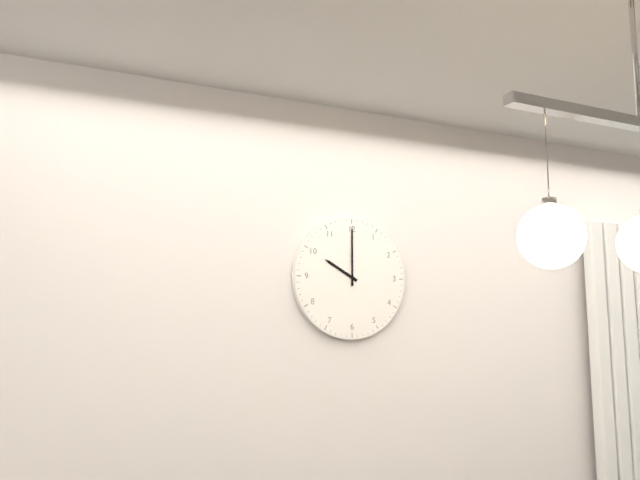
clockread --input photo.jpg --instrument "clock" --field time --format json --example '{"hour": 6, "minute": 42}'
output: {"hour": 10, "minute": 0}
